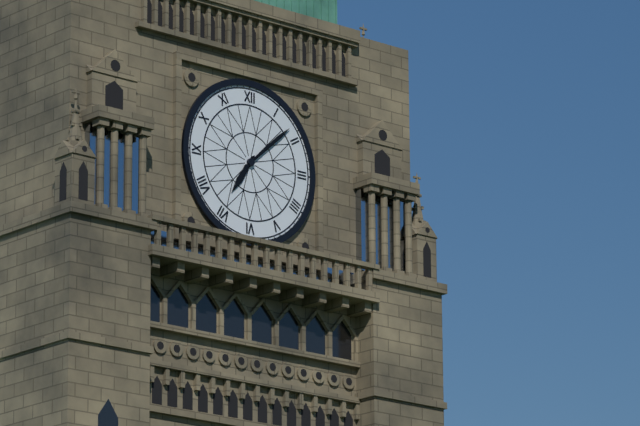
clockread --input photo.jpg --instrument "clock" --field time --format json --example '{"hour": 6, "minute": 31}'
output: {"hour": 7, "minute": 8}
